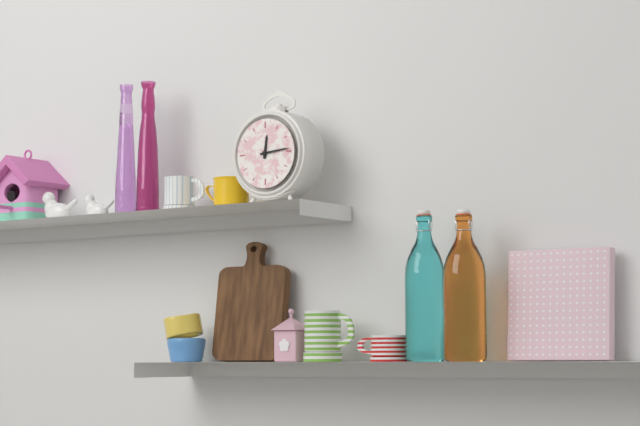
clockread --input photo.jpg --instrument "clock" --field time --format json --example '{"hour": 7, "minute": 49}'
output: {"hour": 12, "minute": 14}
